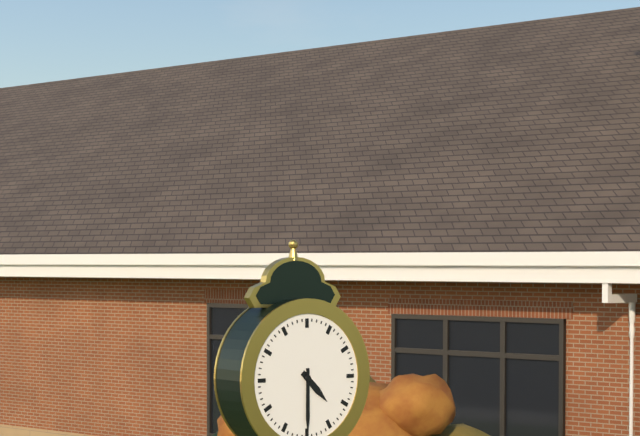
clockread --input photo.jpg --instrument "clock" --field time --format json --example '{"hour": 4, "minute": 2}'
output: {"hour": 4, "minute": 30}
